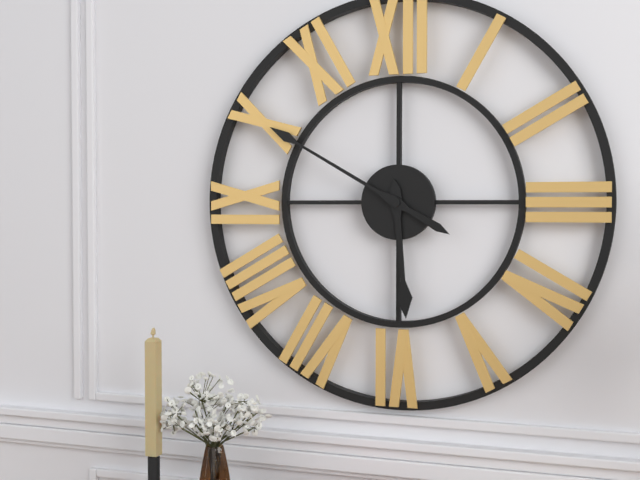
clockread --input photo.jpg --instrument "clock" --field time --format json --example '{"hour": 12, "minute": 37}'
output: {"hour": 5, "minute": 50}
